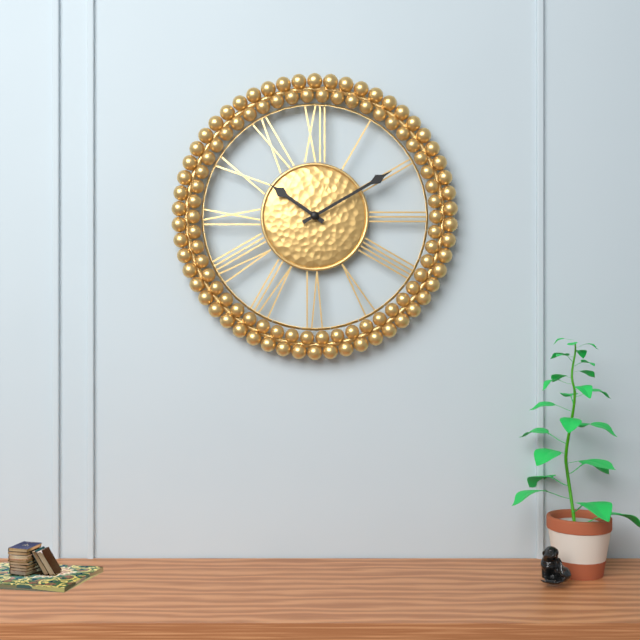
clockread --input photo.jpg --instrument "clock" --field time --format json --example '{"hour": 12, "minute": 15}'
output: {"hour": 10, "minute": 10}
